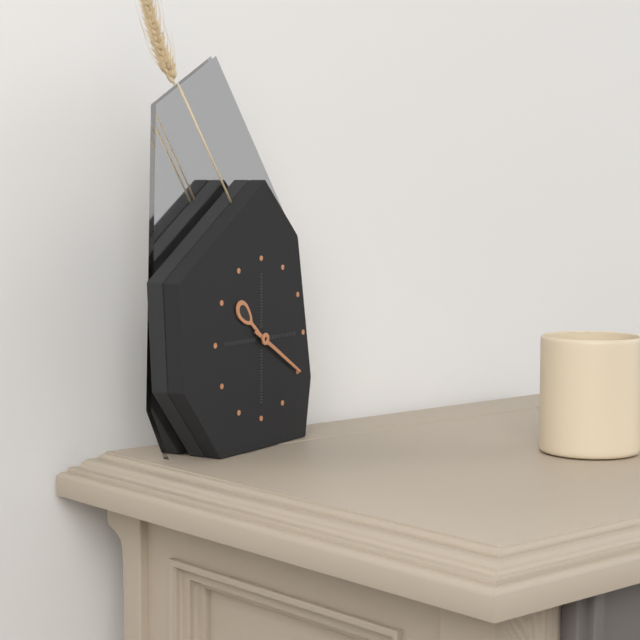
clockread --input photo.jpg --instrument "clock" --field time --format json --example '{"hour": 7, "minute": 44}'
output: {"hour": 10, "minute": 20}
